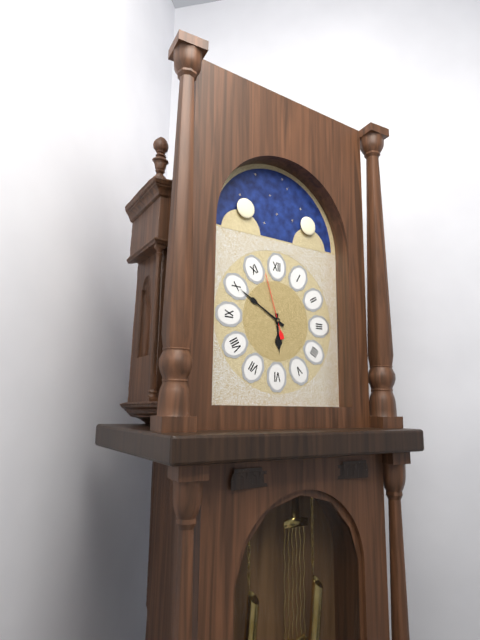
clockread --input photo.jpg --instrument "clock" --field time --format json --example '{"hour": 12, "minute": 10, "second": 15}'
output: {"hour": 5, "minute": 50, "second": 57}
